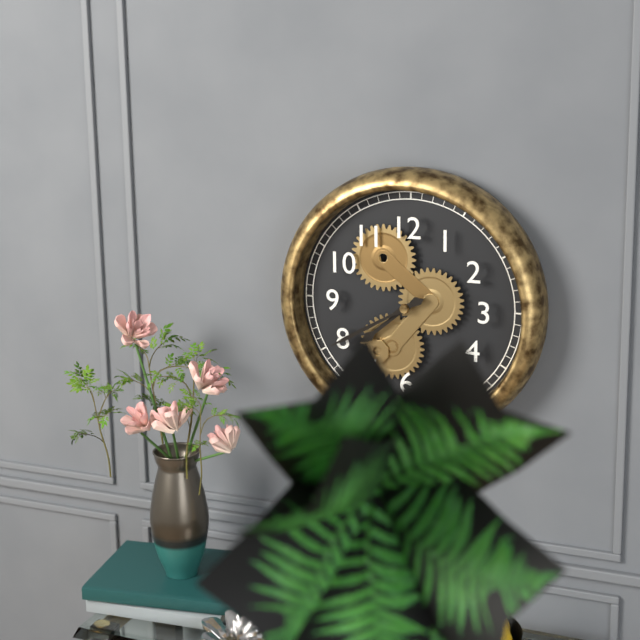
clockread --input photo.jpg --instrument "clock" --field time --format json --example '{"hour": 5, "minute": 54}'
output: {"hour": 7, "minute": 40}
